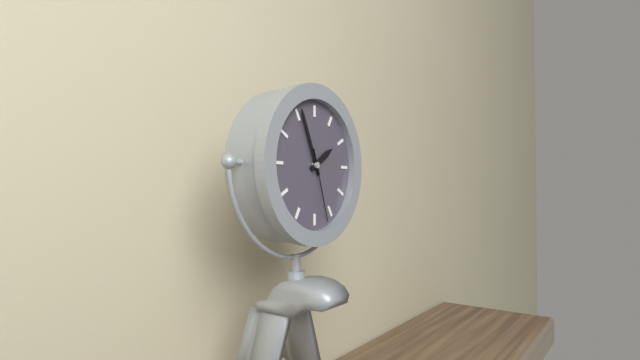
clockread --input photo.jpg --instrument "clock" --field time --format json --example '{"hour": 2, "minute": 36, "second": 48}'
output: {"hour": 1, "minute": 56, "second": 27}
